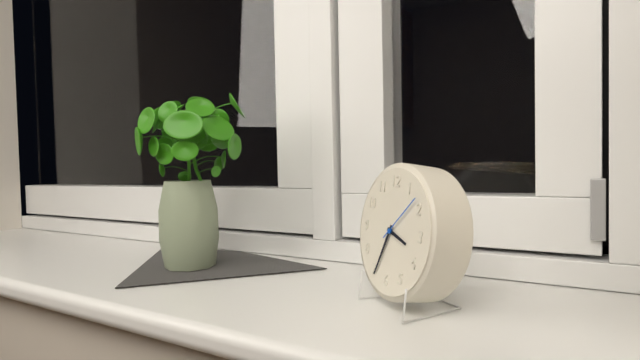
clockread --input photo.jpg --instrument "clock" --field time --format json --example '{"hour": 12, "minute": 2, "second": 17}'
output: {"hour": 3, "minute": 34, "second": 8}
